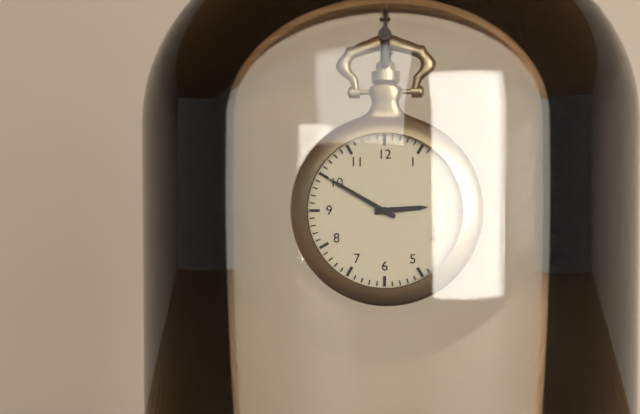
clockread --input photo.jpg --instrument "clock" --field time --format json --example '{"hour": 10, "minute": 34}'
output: {"hour": 2, "minute": 50}
